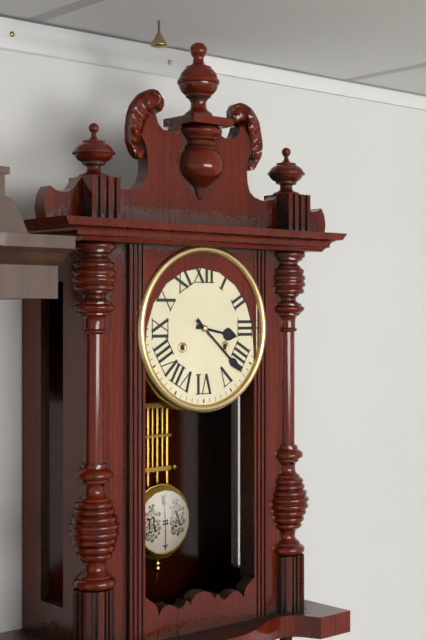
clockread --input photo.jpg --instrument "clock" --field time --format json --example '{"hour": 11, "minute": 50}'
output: {"hour": 3, "minute": 22}
